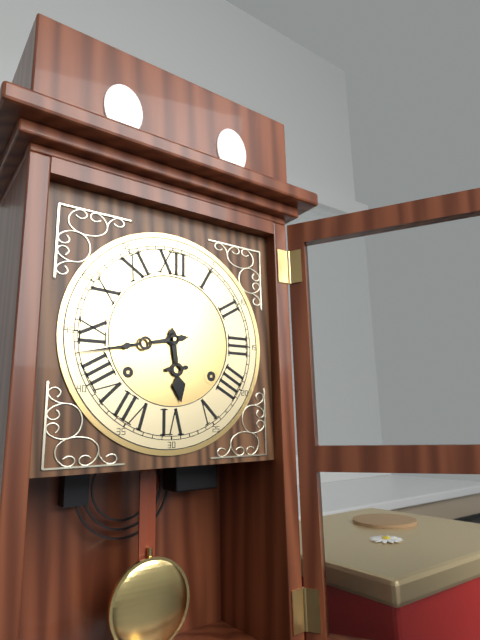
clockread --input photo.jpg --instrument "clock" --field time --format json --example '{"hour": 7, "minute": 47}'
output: {"hour": 5, "minute": 43}
